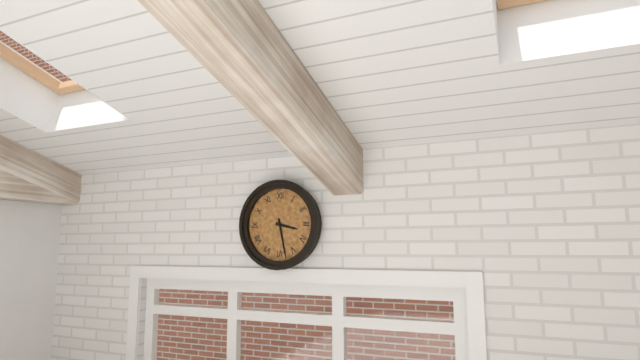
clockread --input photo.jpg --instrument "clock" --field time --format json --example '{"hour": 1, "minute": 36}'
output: {"hour": 3, "minute": 28}
